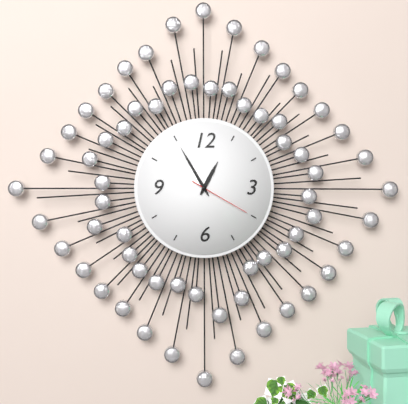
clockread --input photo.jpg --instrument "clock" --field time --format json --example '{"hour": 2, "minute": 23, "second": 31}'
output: {"hour": 12, "minute": 55, "second": 20}
